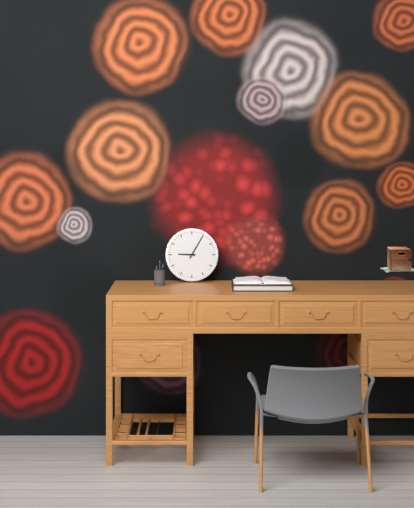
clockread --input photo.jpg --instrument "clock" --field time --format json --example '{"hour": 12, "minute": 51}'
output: {"hour": 9, "minute": 5}
